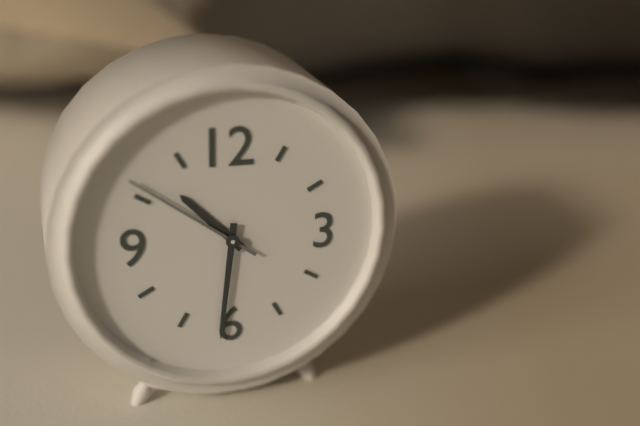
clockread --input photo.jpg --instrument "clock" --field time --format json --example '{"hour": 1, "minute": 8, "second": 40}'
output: {"hour": 10, "minute": 31, "second": 51}
